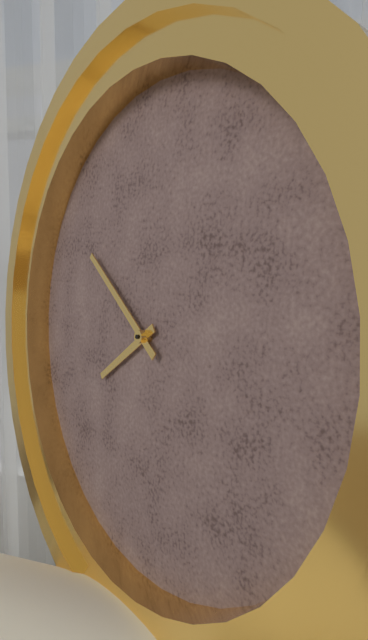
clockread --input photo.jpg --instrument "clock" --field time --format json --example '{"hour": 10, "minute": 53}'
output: {"hour": 7, "minute": 51}
